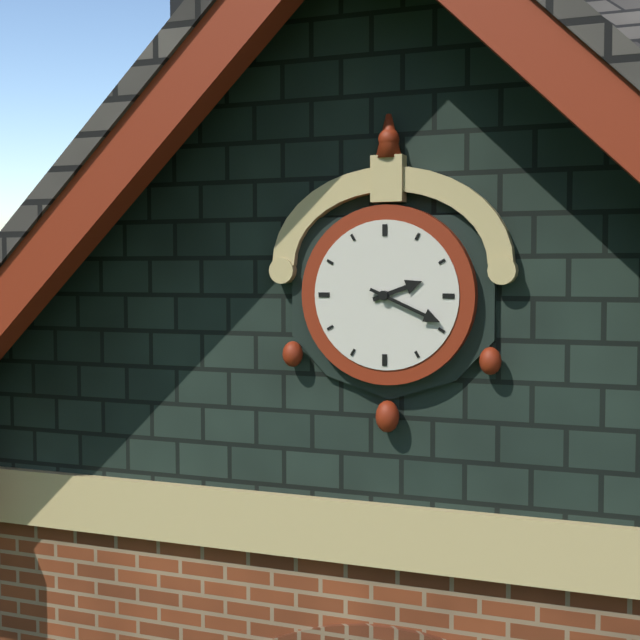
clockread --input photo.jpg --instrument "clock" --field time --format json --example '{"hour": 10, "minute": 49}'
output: {"hour": 2, "minute": 19}
